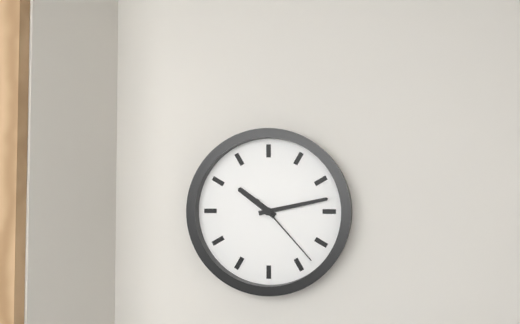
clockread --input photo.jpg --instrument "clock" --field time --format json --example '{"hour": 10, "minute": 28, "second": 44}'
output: {"hour": 10, "minute": 13, "second": 23}
